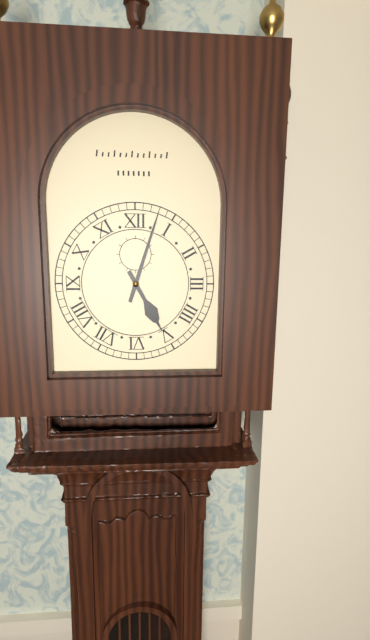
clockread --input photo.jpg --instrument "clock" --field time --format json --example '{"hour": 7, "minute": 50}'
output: {"hour": 5, "minute": 3}
